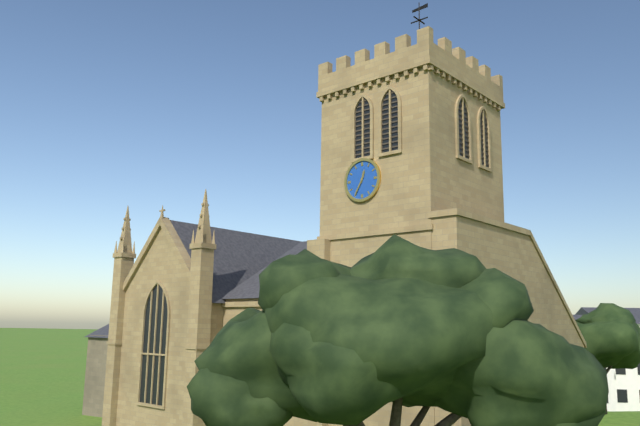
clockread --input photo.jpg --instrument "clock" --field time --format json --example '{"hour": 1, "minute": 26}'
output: {"hour": 12, "minute": 35}
